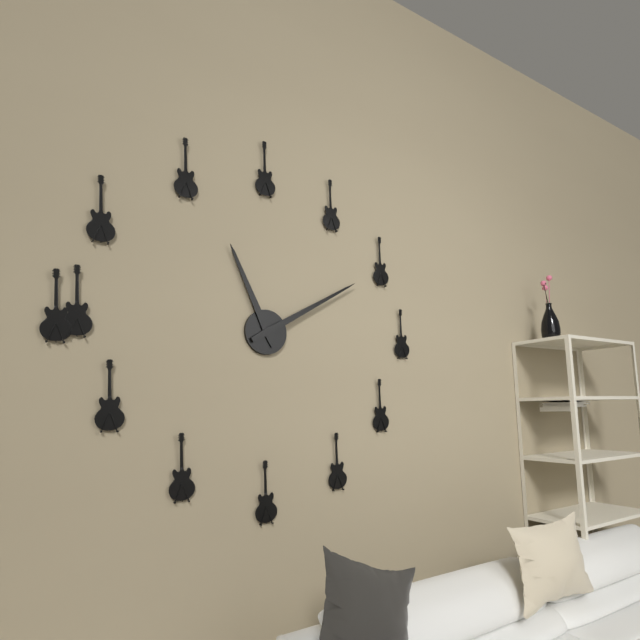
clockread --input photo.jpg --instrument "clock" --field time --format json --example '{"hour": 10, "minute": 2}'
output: {"hour": 11, "minute": 10}
